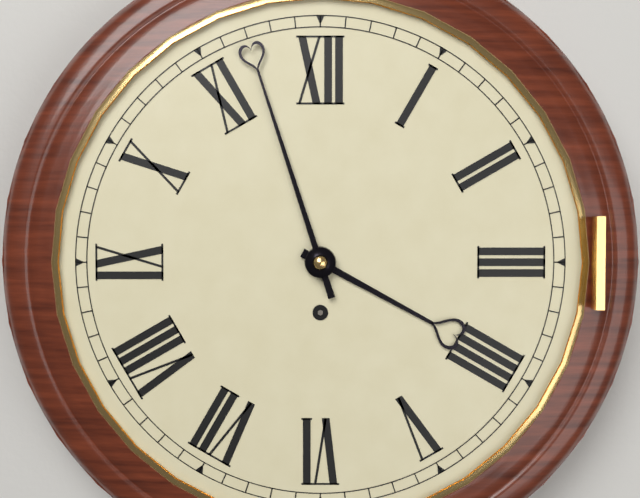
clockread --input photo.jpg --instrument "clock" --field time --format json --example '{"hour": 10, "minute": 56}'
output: {"hour": 3, "minute": 57}
